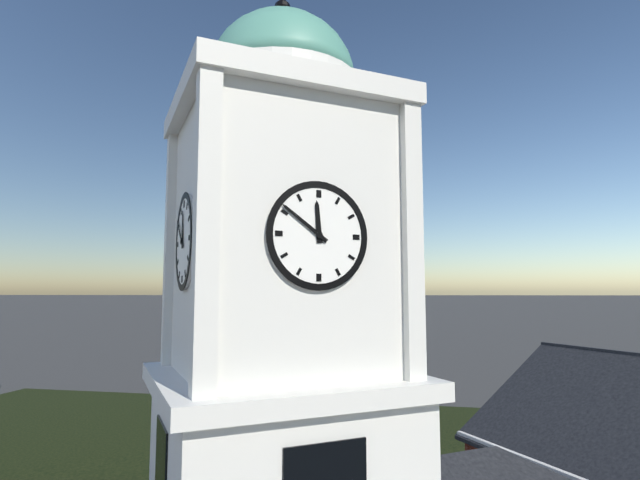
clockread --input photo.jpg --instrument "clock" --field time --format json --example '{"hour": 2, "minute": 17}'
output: {"hour": 11, "minute": 51}
